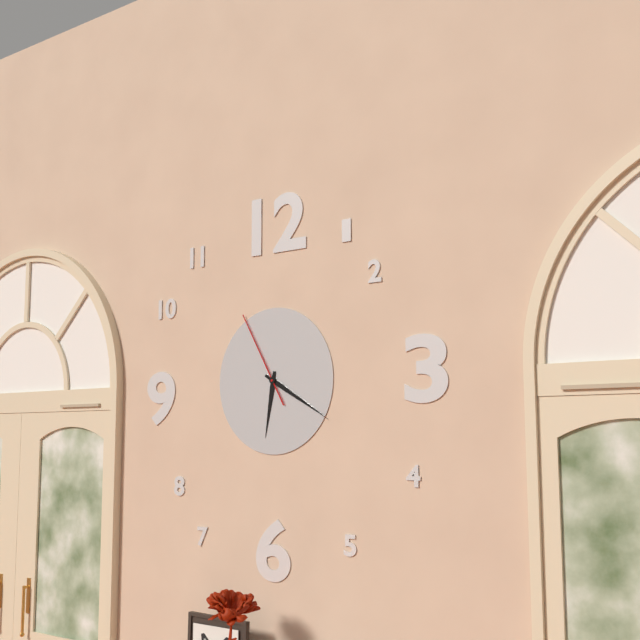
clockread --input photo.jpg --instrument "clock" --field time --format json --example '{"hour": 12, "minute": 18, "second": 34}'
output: {"hour": 6, "minute": 20, "second": 55}
